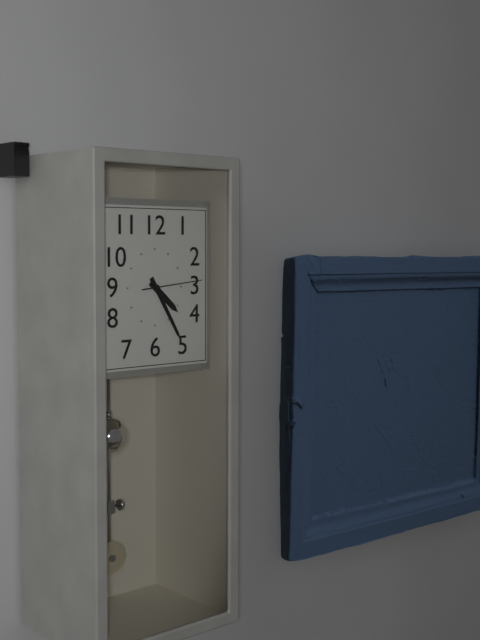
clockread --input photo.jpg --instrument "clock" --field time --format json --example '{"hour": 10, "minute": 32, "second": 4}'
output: {"hour": 4, "minute": 25, "second": 14}
